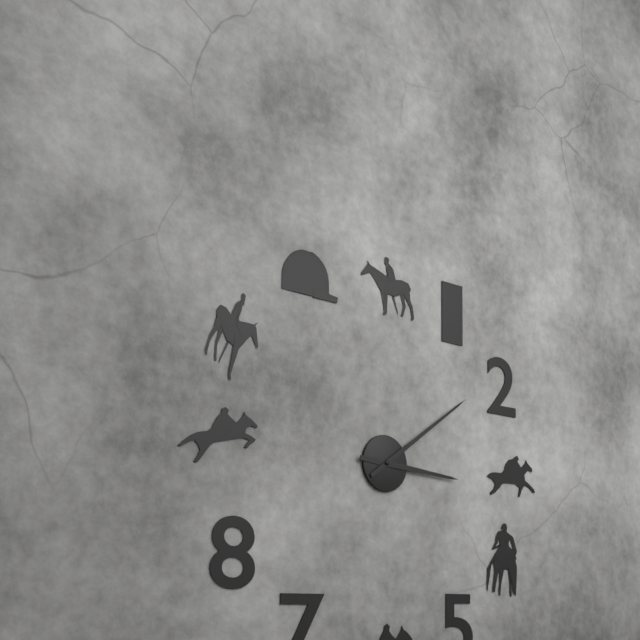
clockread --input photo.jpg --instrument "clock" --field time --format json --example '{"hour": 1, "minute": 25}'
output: {"hour": 3, "minute": 9}
